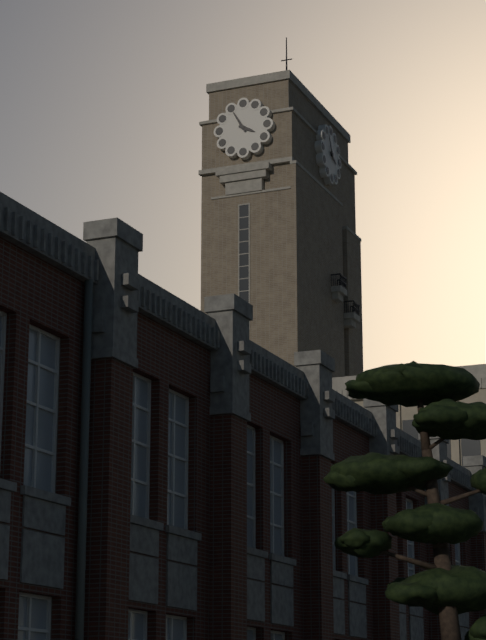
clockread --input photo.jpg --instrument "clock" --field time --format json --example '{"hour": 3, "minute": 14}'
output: {"hour": 3, "minute": 55}
